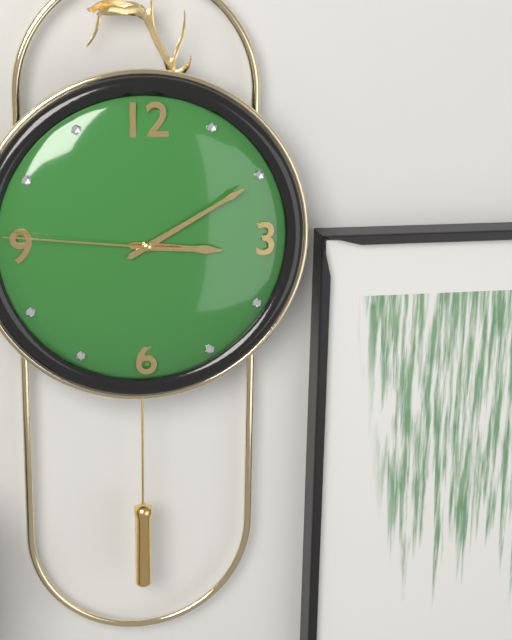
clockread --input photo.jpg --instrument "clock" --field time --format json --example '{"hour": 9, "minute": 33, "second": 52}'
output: {"hour": 3, "minute": 10, "second": 46}
